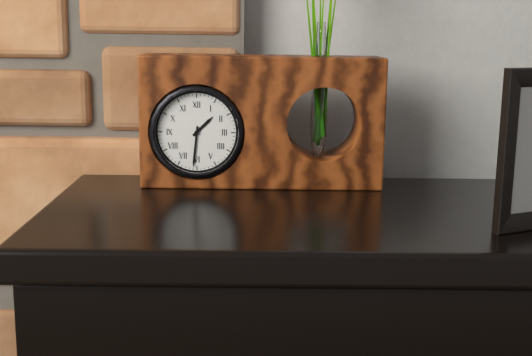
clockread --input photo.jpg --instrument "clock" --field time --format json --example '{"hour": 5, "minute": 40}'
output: {"hour": 1, "minute": 31}
